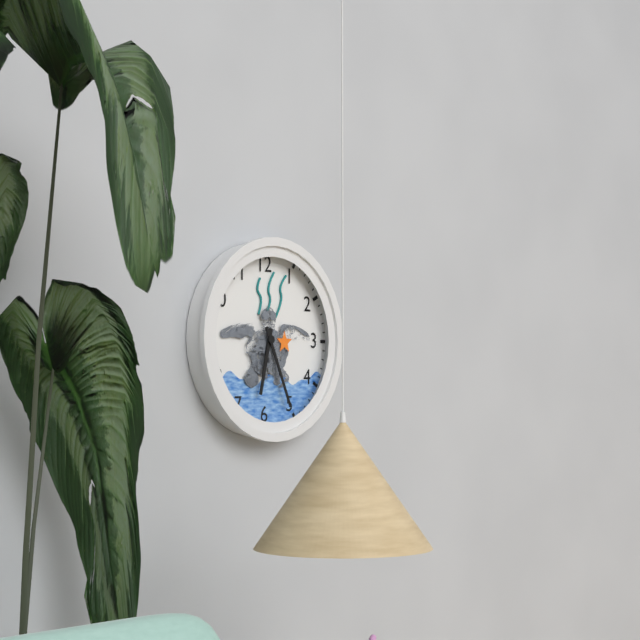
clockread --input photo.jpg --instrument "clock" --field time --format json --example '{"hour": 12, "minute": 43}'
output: {"hour": 6, "minute": 26}
